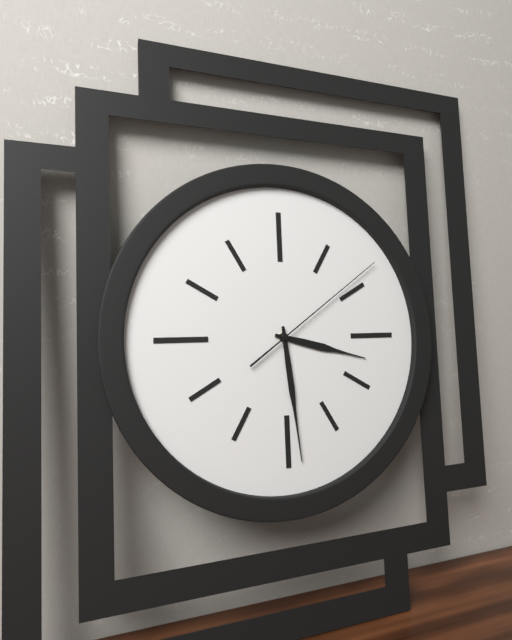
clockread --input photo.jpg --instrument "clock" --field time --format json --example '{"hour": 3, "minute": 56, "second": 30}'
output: {"hour": 3, "minute": 29, "second": 9}
